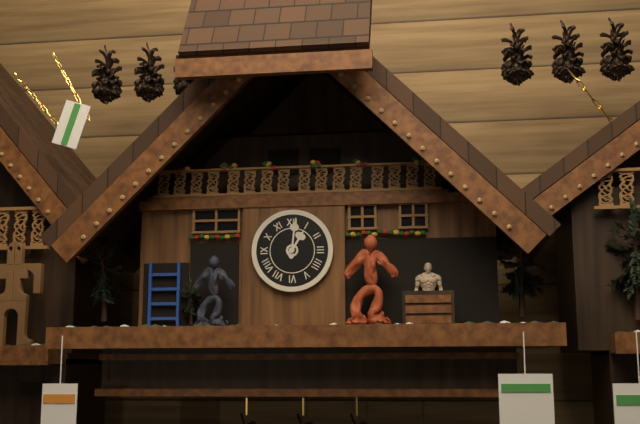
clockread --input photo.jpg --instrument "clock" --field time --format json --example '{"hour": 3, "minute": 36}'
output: {"hour": 1, "minute": 1}
